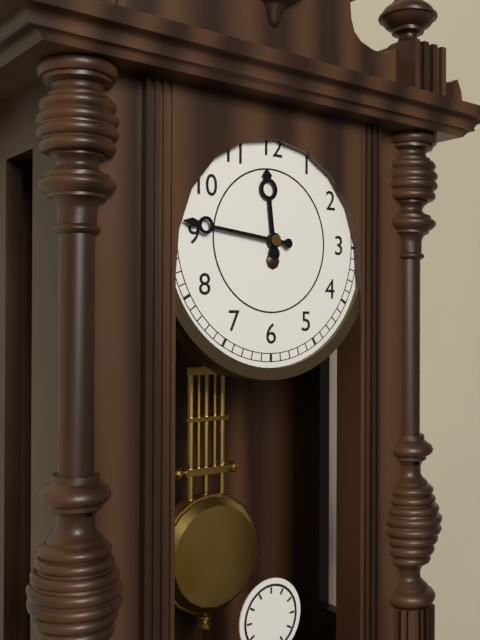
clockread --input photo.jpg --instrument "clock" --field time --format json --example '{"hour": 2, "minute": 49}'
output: {"hour": 11, "minute": 46}
